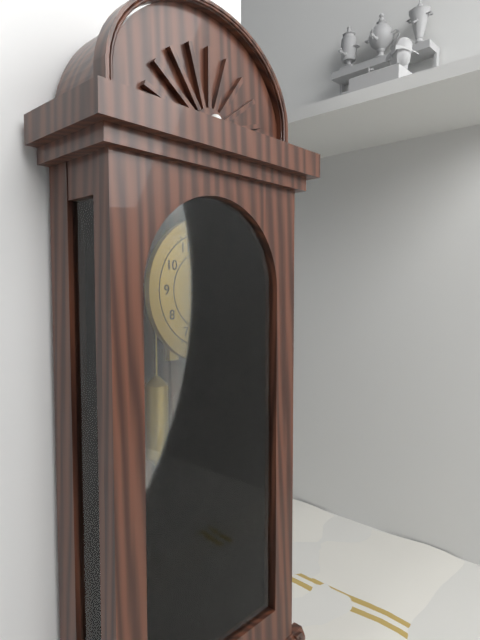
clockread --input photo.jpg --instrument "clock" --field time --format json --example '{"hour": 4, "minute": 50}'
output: {"hour": 12, "minute": 25}
